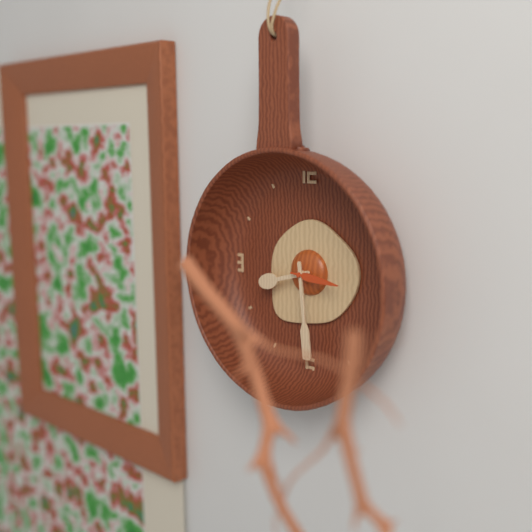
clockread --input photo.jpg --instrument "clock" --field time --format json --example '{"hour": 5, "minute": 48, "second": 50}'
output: {"hour": 8, "minute": 29, "second": 16}
